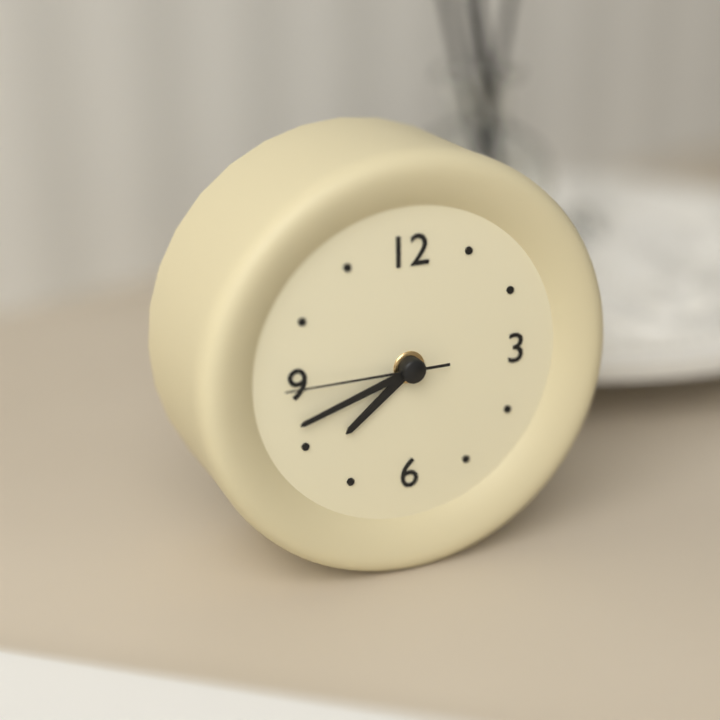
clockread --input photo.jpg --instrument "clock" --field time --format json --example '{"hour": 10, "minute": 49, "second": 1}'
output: {"hour": 7, "minute": 42, "second": 45}
